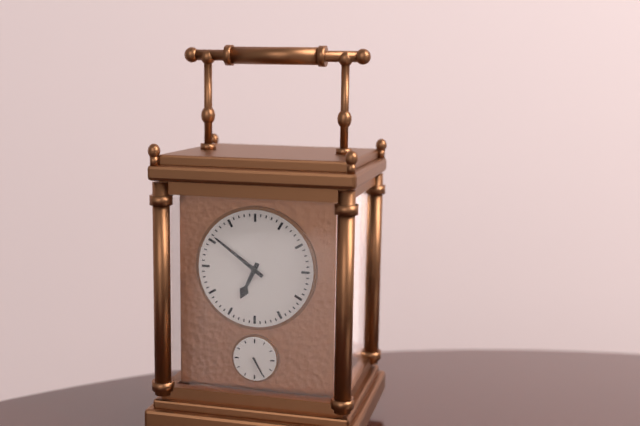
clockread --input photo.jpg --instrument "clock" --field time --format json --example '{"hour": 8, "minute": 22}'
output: {"hour": 6, "minute": 51}
